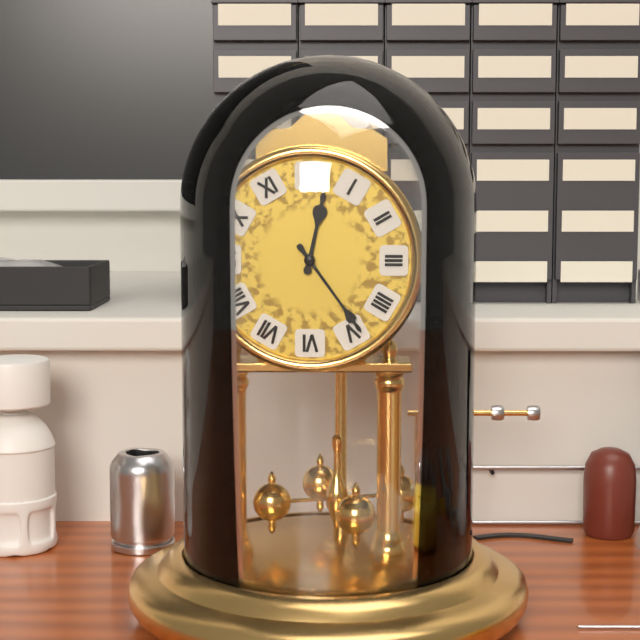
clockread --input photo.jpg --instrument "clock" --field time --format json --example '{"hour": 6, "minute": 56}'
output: {"hour": 12, "minute": 24}
